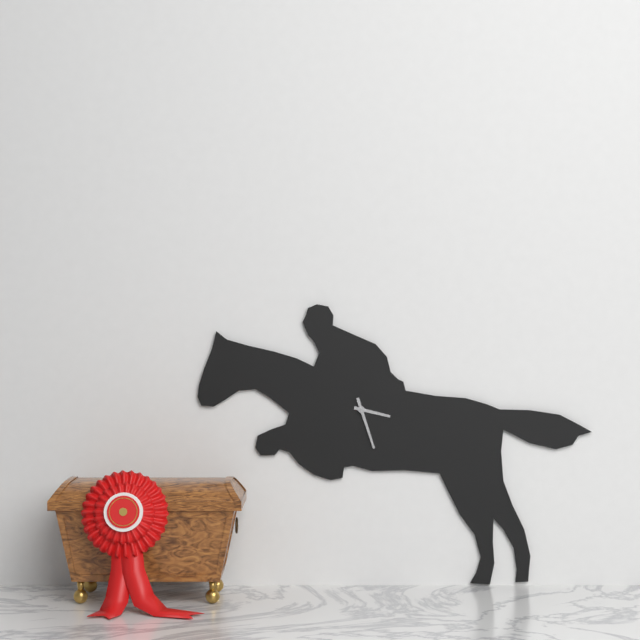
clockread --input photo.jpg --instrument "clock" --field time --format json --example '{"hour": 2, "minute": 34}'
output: {"hour": 3, "minute": 27}
